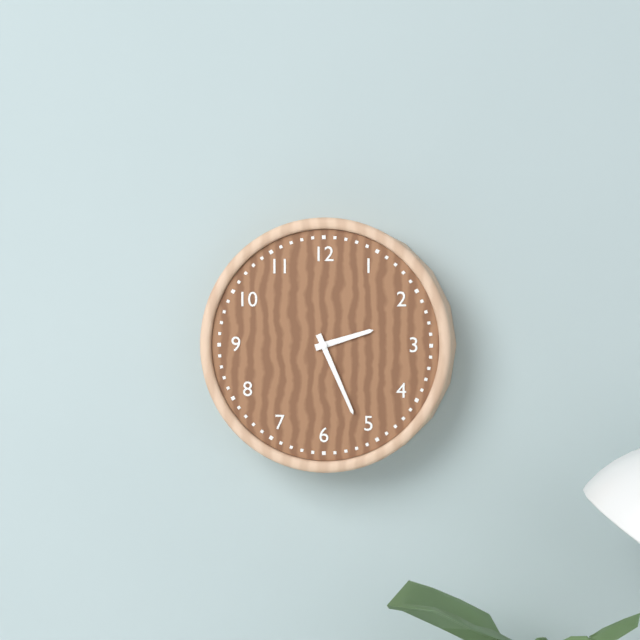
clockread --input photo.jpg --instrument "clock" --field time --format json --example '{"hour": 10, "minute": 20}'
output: {"hour": 2, "minute": 26}
